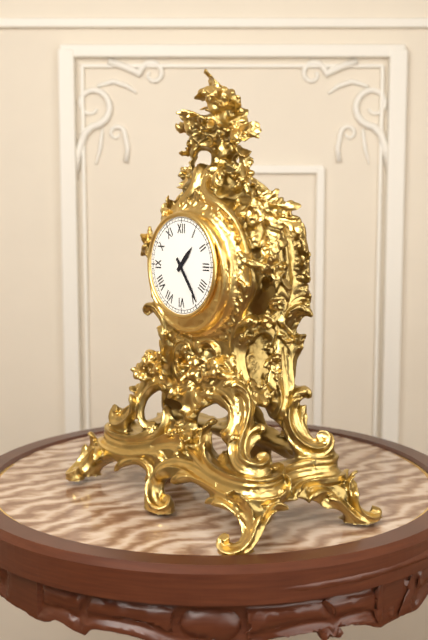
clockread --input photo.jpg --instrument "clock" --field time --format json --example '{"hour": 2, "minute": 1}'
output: {"hour": 1, "minute": 24}
